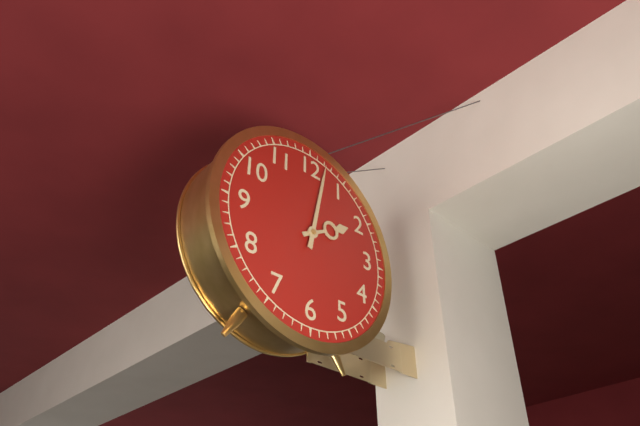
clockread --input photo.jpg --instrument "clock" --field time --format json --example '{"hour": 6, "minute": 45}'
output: {"hour": 2, "minute": 2}
